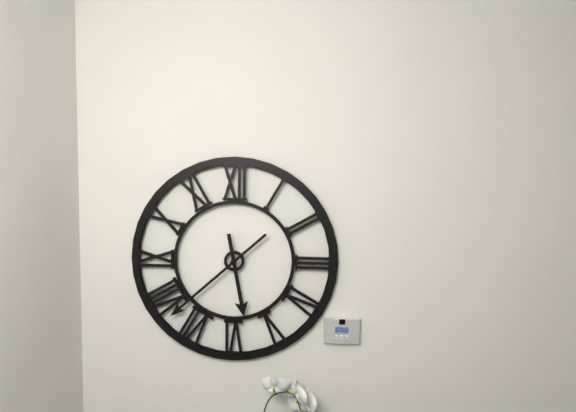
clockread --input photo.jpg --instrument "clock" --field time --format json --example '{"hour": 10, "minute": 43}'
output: {"hour": 5, "minute": 38}
